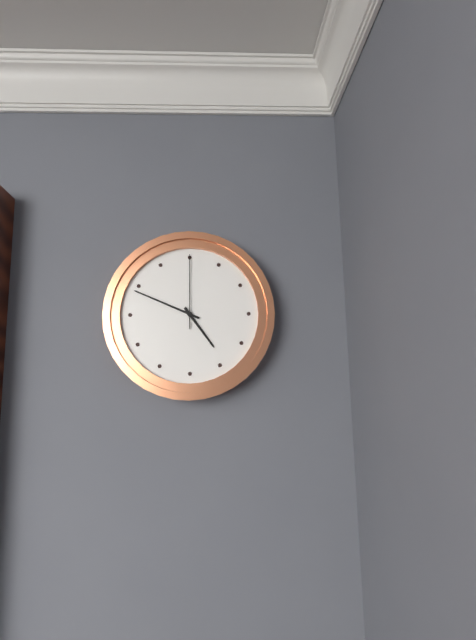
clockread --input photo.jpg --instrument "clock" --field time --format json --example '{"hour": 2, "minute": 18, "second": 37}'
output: {"hour": 4, "minute": 49, "second": 0}
